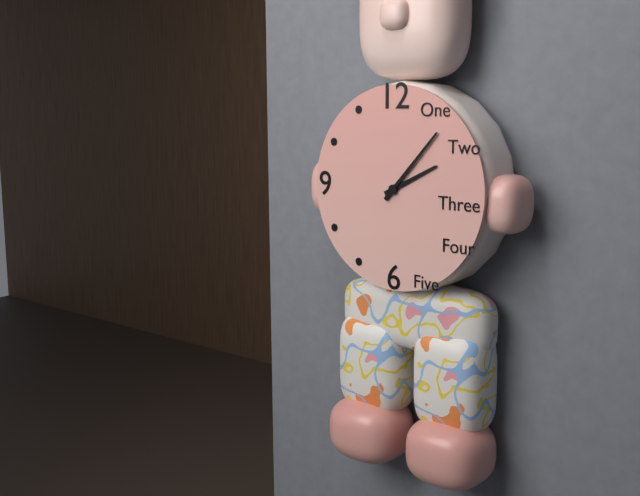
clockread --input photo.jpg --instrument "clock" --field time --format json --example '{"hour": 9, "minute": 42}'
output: {"hour": 2, "minute": 7}
